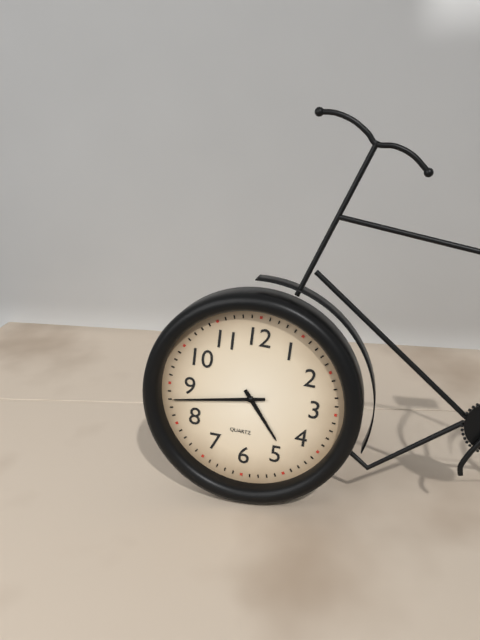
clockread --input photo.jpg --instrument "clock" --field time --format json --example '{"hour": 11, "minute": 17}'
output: {"hour": 4, "minute": 43}
